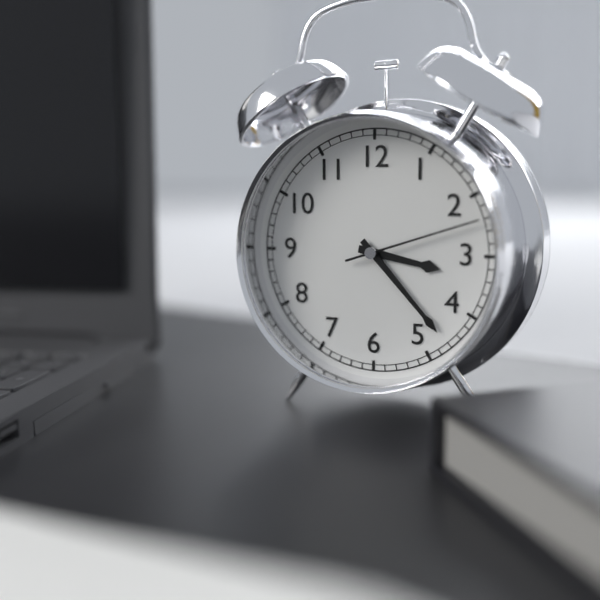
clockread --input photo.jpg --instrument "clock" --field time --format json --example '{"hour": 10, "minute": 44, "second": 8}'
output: {"hour": 3, "minute": 23, "second": 12}
